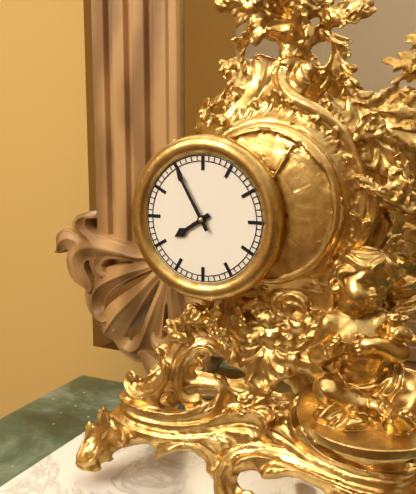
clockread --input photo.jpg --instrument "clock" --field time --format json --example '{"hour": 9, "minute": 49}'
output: {"hour": 7, "minute": 55}
